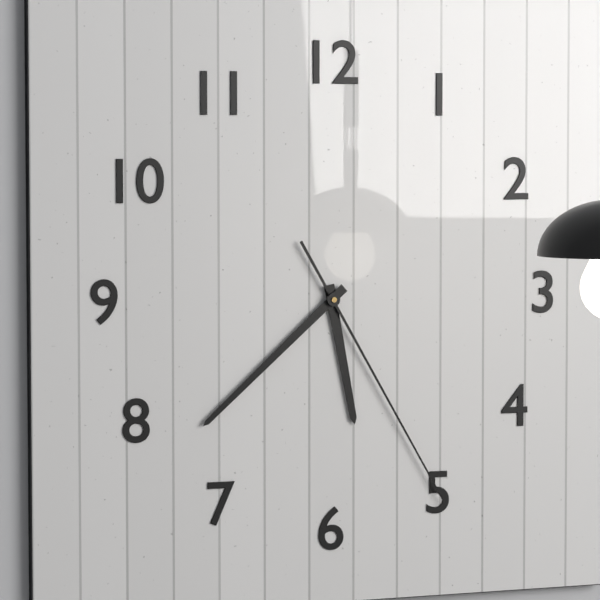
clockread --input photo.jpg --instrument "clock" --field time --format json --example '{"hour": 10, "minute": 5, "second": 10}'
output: {"hour": 5, "minute": 38, "second": 25}
